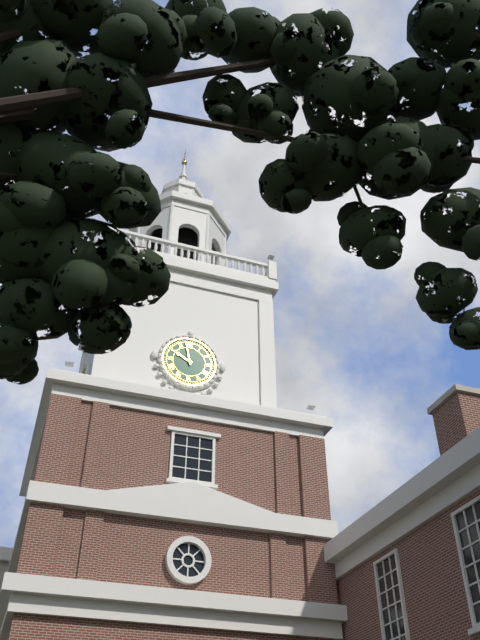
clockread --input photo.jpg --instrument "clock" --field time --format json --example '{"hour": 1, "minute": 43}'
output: {"hour": 9, "minute": 58}
